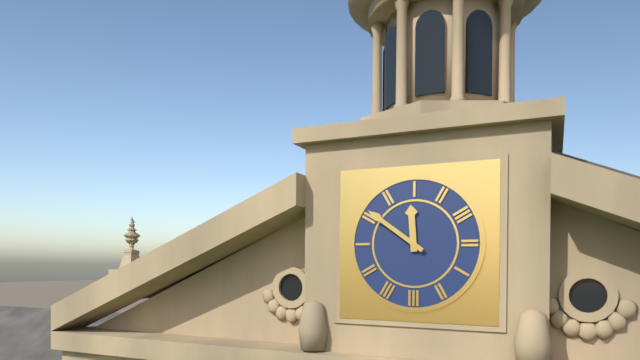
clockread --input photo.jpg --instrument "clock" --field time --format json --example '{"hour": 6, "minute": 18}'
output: {"hour": 11, "minute": 51}
